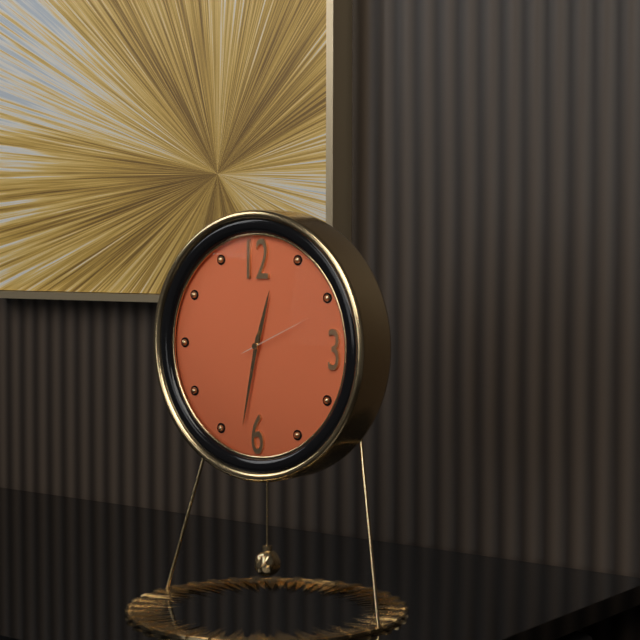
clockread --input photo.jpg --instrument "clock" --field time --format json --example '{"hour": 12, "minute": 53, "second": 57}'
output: {"hour": 12, "minute": 32, "second": 11}
